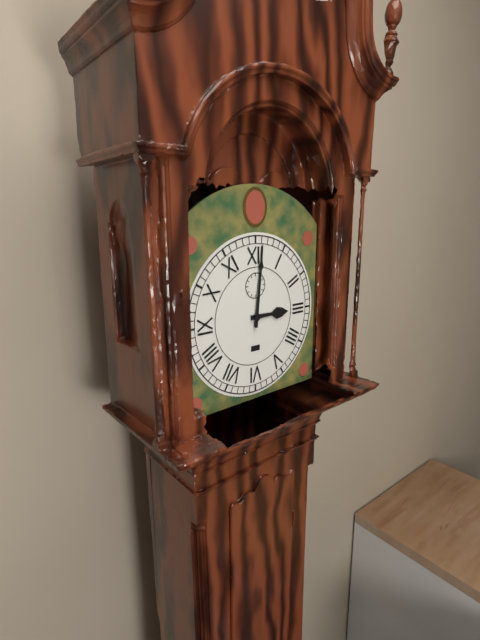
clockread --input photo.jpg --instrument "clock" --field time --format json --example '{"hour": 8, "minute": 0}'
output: {"hour": 3, "minute": 1}
